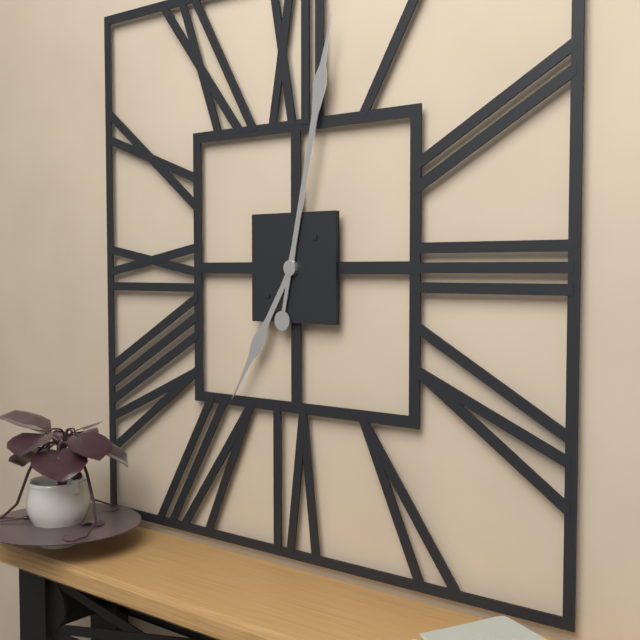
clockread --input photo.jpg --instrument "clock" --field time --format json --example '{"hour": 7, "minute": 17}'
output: {"hour": 7, "minute": 2}
